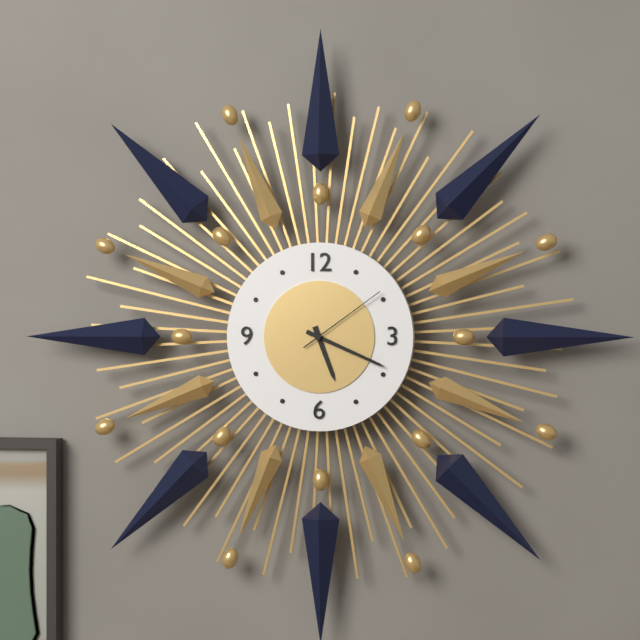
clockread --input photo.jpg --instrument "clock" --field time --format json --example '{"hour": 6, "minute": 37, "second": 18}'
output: {"hour": 5, "minute": 19, "second": 9}
